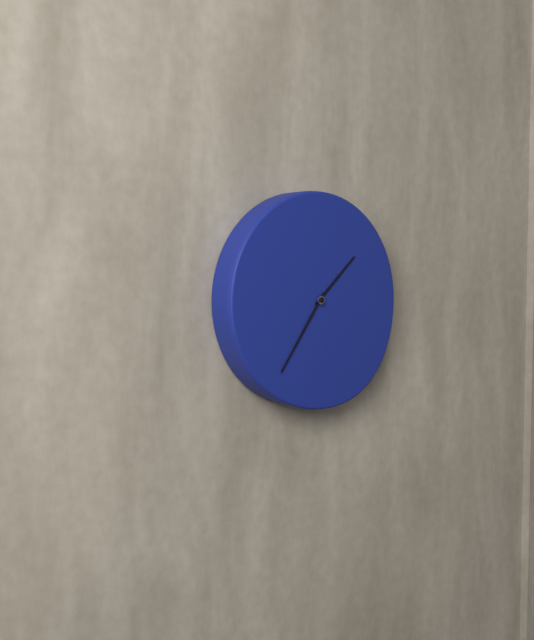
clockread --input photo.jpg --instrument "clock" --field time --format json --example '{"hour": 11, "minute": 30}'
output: {"hour": 1, "minute": 36}
